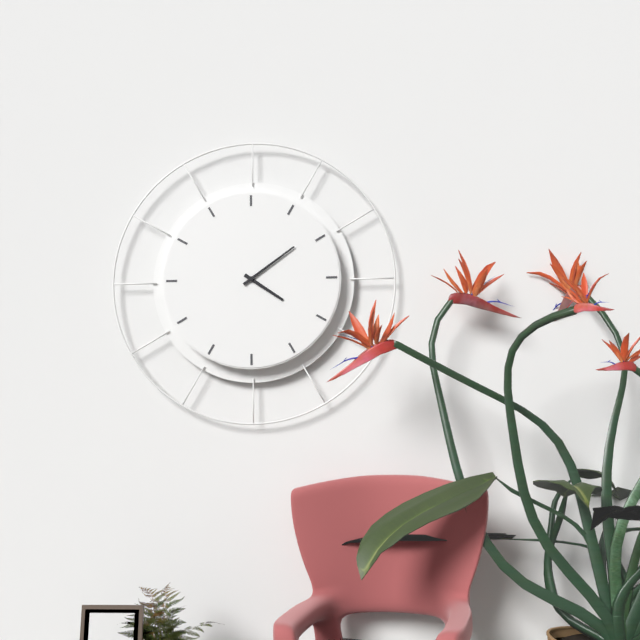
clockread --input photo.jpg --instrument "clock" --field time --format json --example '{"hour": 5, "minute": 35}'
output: {"hour": 4, "minute": 9}
